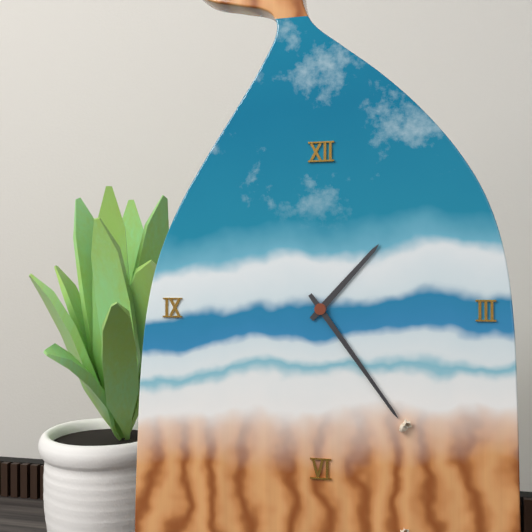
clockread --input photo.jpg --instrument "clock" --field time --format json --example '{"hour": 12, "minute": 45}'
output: {"hour": 1, "minute": 24}
